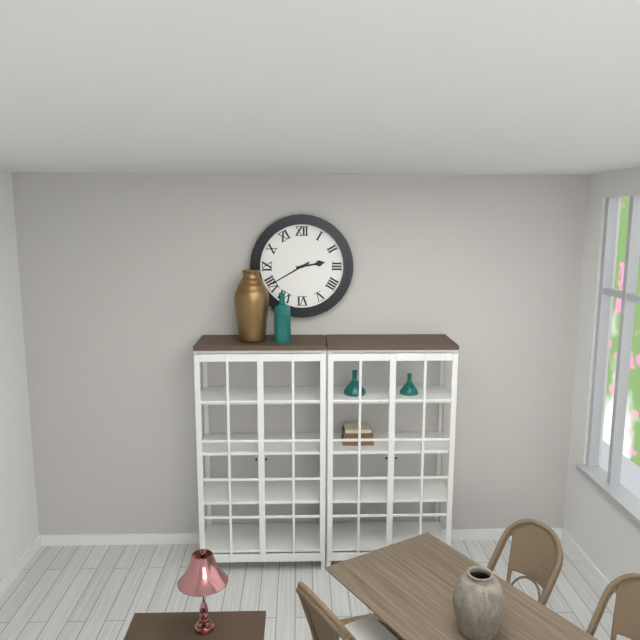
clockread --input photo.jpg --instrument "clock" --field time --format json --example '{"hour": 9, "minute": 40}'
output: {"hour": 2, "minute": 40}
